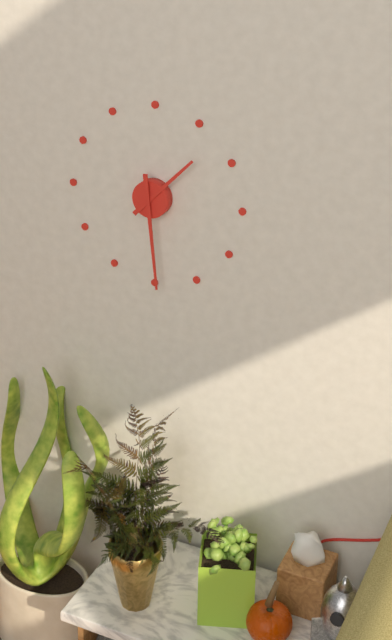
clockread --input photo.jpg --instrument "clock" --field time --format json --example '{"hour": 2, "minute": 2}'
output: {"hour": 1, "minute": 29}
